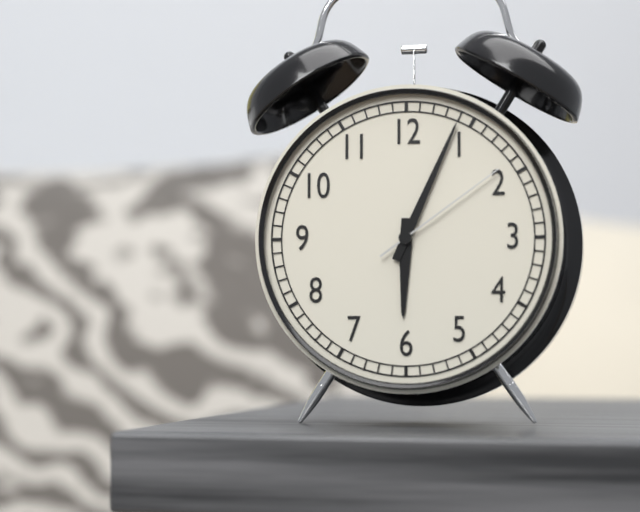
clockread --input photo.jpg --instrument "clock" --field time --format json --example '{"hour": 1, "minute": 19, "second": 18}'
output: {"hour": 6, "minute": 4, "second": 9}
